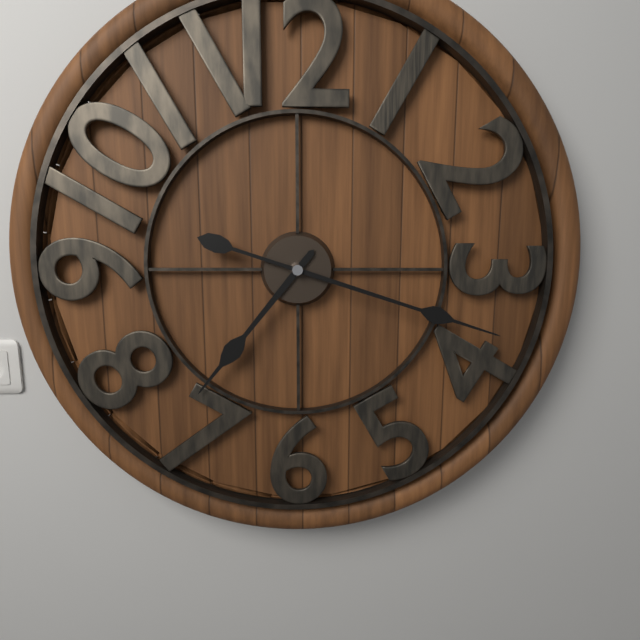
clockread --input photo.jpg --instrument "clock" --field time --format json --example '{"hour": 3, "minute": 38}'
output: {"hour": 7, "minute": 18}
